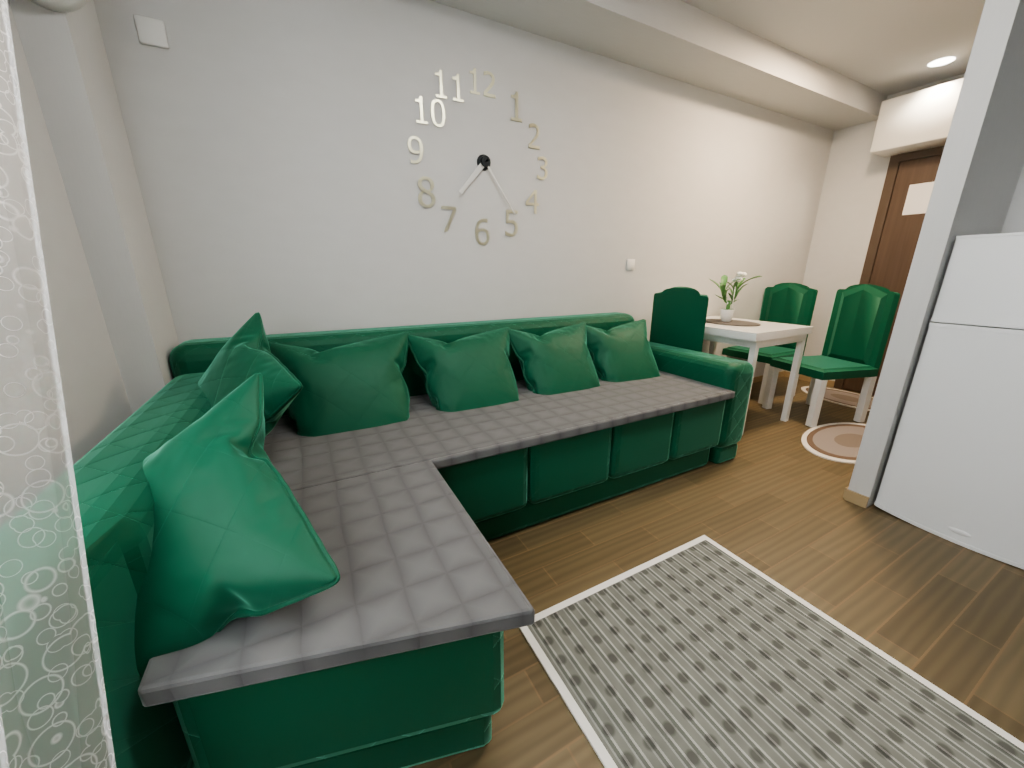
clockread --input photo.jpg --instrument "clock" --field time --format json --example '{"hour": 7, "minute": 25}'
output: {"hour": 7, "minute": 24}
